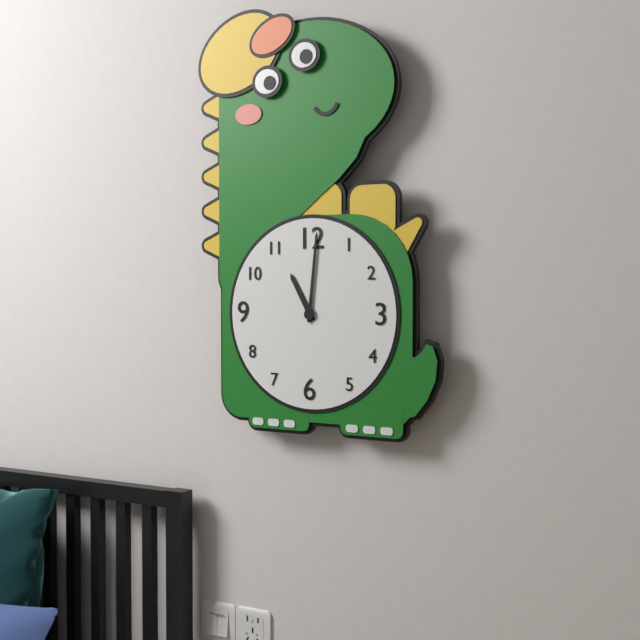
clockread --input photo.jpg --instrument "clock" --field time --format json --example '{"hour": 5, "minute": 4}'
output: {"hour": 11, "minute": 1}
